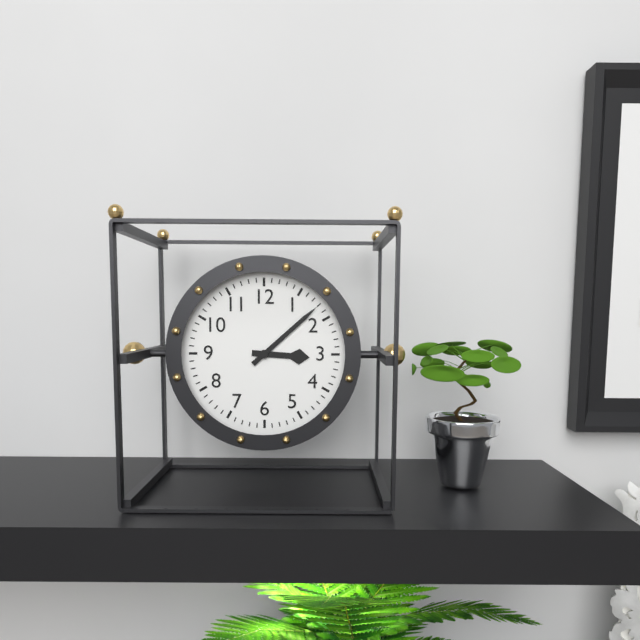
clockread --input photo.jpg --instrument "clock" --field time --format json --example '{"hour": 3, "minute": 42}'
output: {"hour": 3, "minute": 8}
